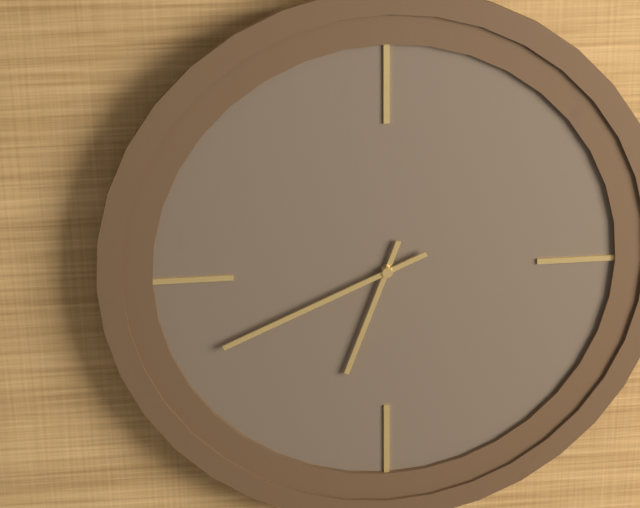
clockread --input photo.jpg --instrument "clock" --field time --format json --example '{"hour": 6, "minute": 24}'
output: {"hour": 6, "minute": 41}
